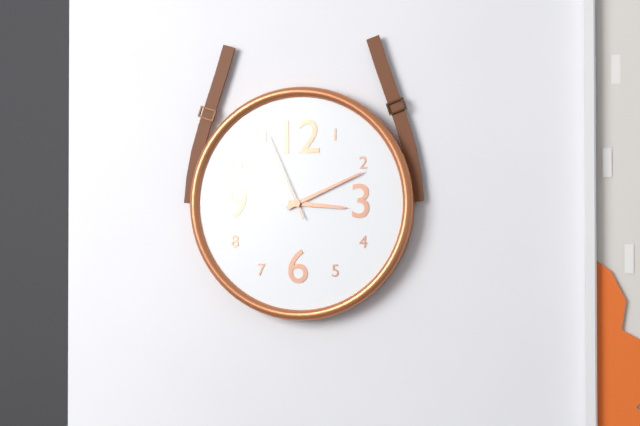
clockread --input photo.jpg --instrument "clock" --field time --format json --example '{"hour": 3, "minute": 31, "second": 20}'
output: {"hour": 3, "minute": 11, "second": 56}
